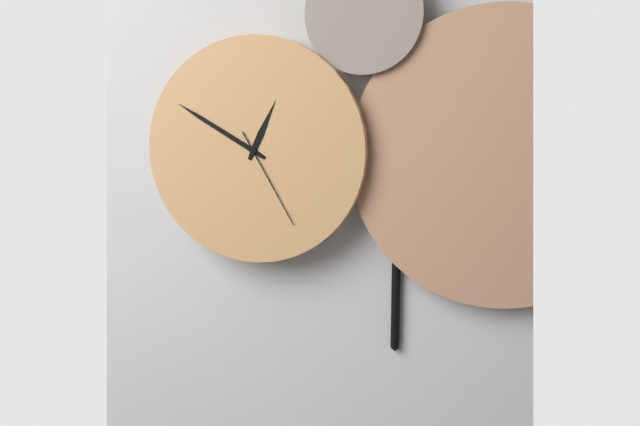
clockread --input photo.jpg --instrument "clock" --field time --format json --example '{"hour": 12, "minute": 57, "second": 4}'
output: {"hour": 12, "minute": 50, "second": 25}
